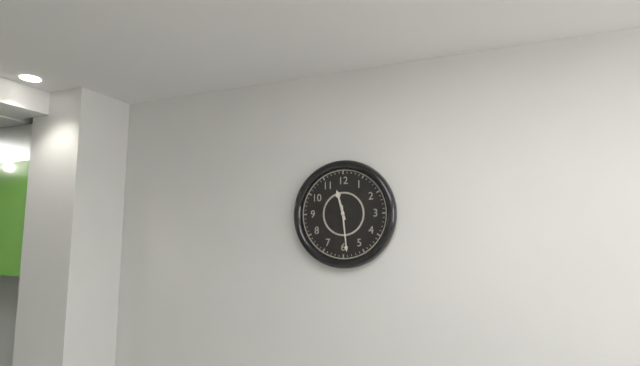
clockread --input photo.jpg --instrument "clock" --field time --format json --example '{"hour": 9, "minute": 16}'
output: {"hour": 11, "minute": 29}
